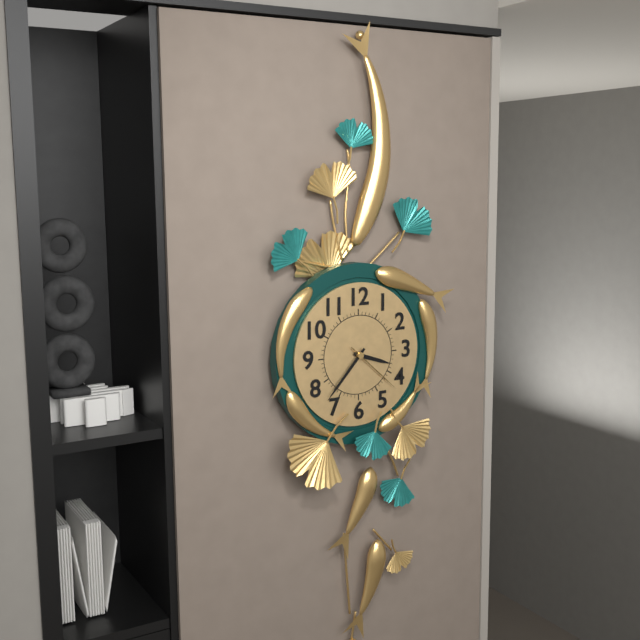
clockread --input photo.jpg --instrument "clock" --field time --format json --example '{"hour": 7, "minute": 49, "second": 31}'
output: {"hour": 3, "minute": 37, "second": 22}
